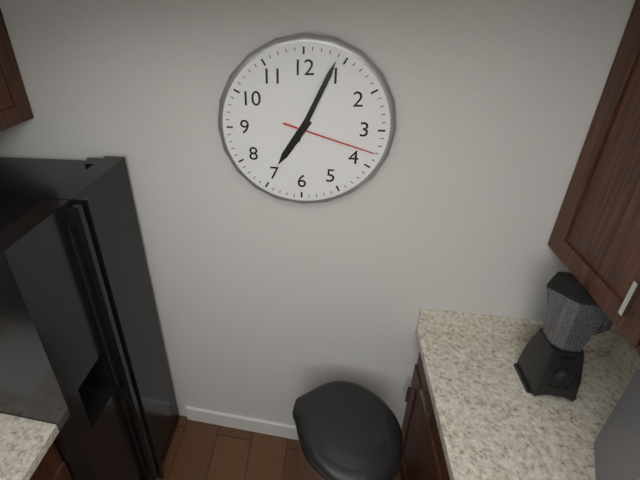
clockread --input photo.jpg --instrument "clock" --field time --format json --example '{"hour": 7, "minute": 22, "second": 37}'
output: {"hour": 7, "minute": 4, "second": 18}
